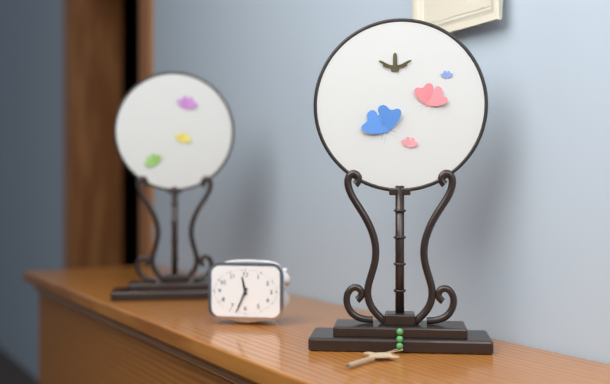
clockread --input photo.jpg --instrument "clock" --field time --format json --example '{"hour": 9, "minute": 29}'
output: {"hour": 11, "minute": 34}
